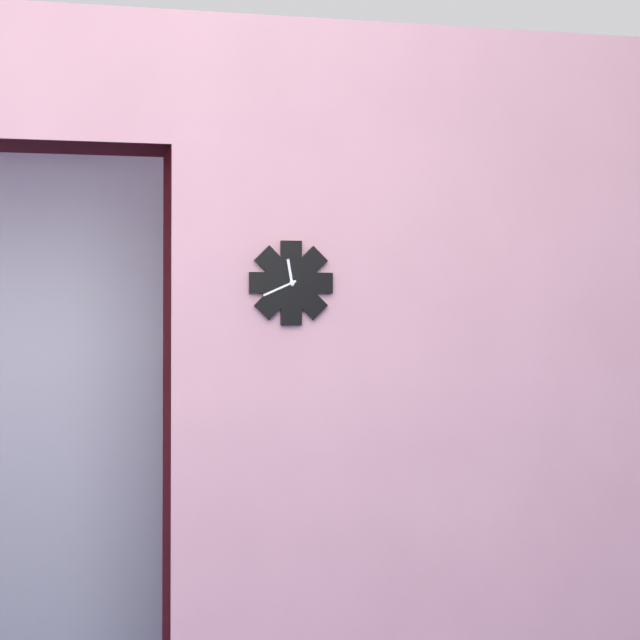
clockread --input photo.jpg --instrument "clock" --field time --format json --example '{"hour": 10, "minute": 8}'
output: {"hour": 11, "minute": 41}
